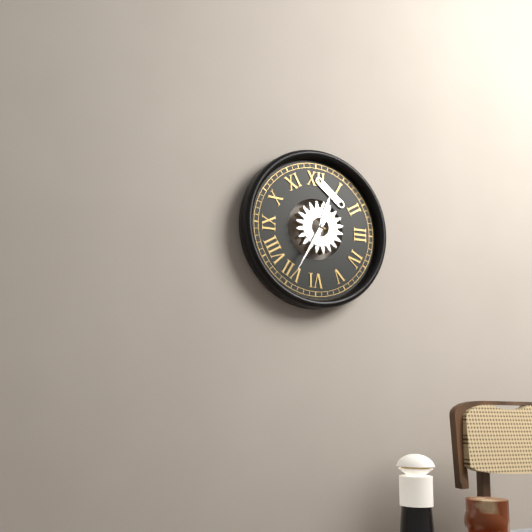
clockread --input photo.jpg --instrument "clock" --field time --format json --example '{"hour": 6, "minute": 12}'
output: {"hour": 12, "minute": 35}
